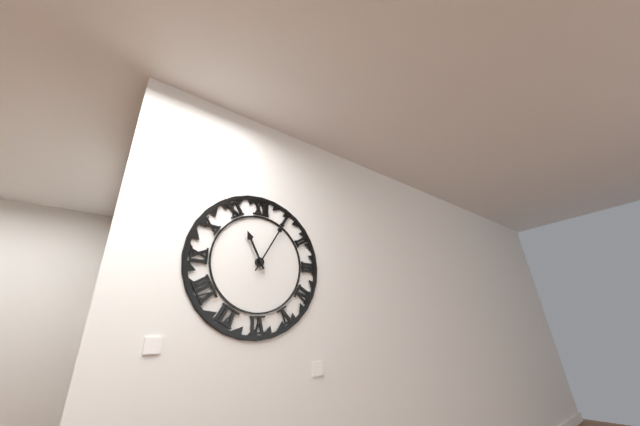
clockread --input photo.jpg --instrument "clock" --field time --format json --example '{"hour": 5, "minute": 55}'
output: {"hour": 11, "minute": 5}
